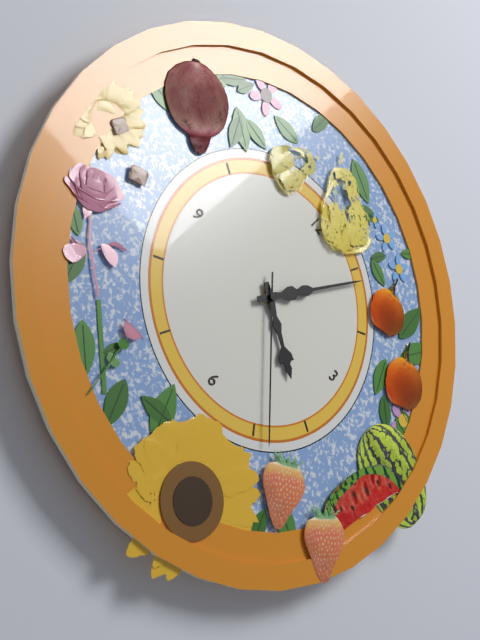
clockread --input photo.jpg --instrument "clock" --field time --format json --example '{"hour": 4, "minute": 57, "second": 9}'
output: {"hour": 4, "minute": 6, "second": 24}
